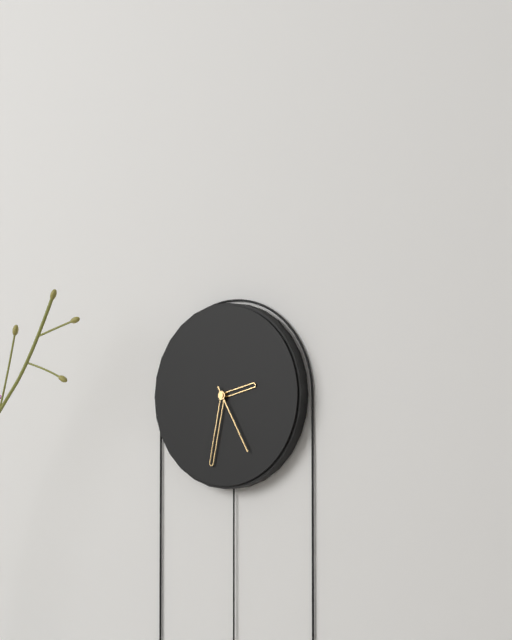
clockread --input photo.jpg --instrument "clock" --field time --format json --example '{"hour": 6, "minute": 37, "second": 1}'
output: {"hour": 2, "minute": 32, "second": 25}
